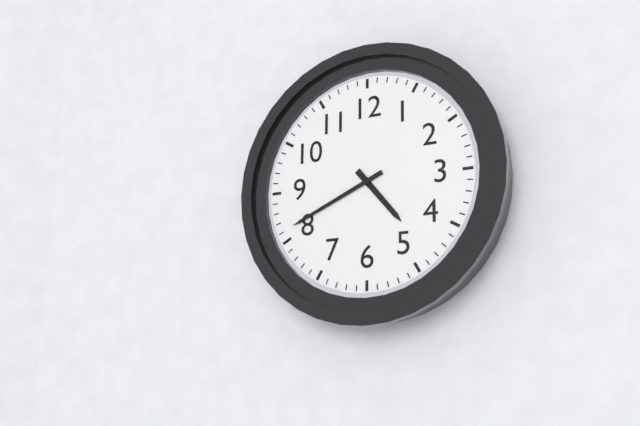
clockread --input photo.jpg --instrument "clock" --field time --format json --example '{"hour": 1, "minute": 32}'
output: {"hour": 4, "minute": 41}
